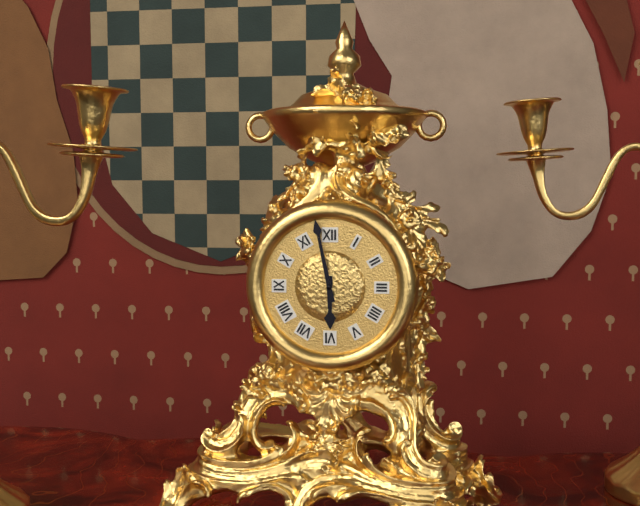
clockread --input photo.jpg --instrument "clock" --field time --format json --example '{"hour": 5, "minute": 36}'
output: {"hour": 5, "minute": 58}
